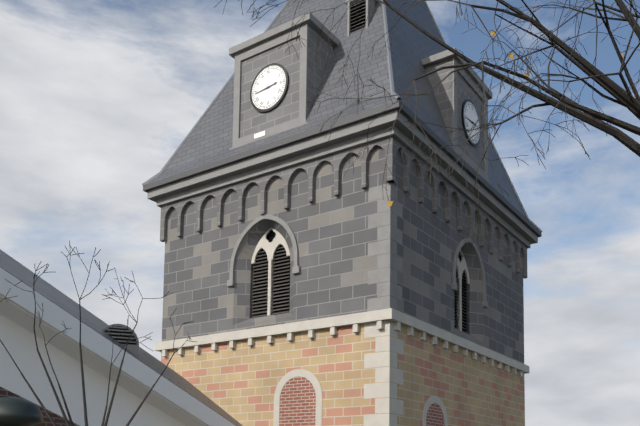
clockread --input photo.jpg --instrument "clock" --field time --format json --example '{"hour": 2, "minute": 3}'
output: {"hour": 2, "minute": 44}
